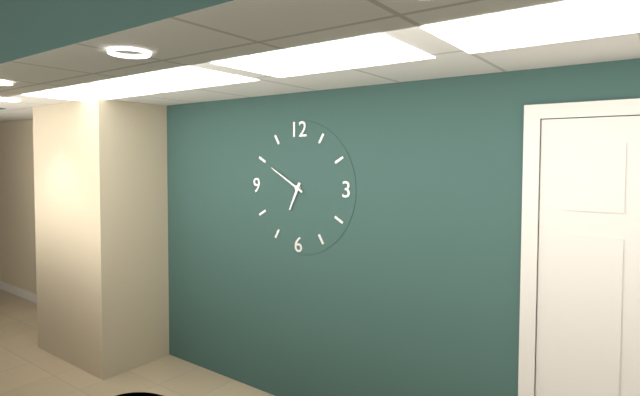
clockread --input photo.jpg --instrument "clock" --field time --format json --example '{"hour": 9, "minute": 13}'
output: {"hour": 6, "minute": 50}
